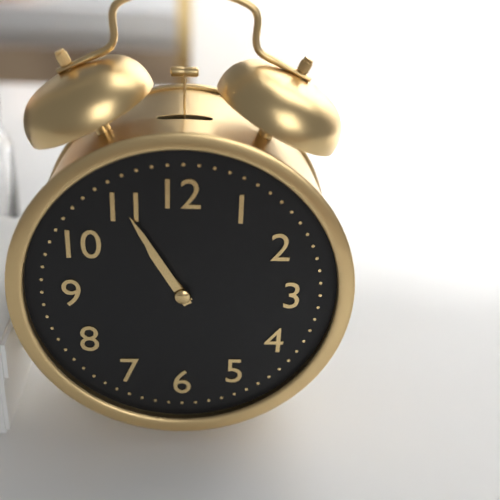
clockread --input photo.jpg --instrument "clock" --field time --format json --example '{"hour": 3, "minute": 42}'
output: {"hour": 10, "minute": 55}
